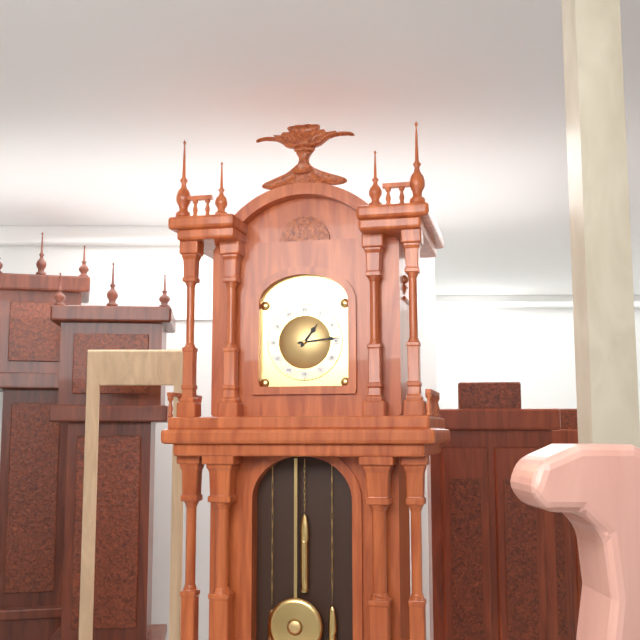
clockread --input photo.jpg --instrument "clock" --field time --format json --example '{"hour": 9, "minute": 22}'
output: {"hour": 1, "minute": 14}
